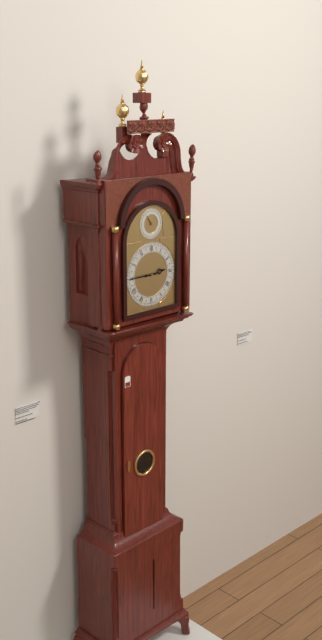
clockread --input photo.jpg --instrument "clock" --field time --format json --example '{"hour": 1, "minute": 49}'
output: {"hour": 2, "minute": 45}
